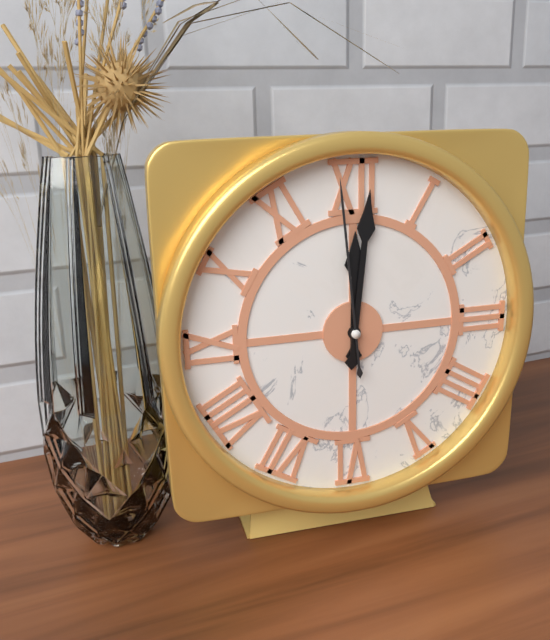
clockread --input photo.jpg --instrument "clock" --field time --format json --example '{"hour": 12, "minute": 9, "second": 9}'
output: {"hour": 12, "minute": 1, "second": 59}
